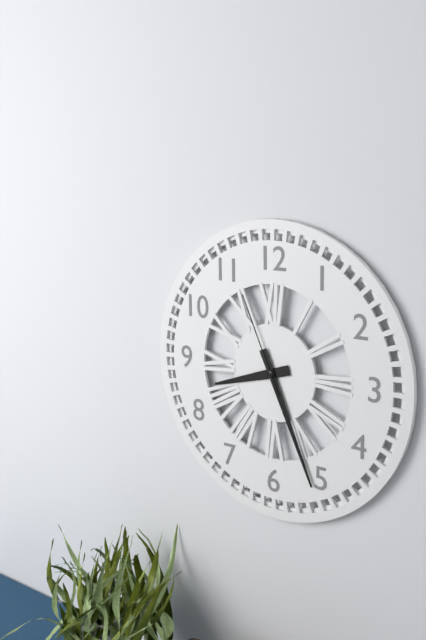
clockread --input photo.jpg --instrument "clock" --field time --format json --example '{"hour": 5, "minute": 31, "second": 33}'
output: {"hour": 8, "minute": 26, "second": 56}
